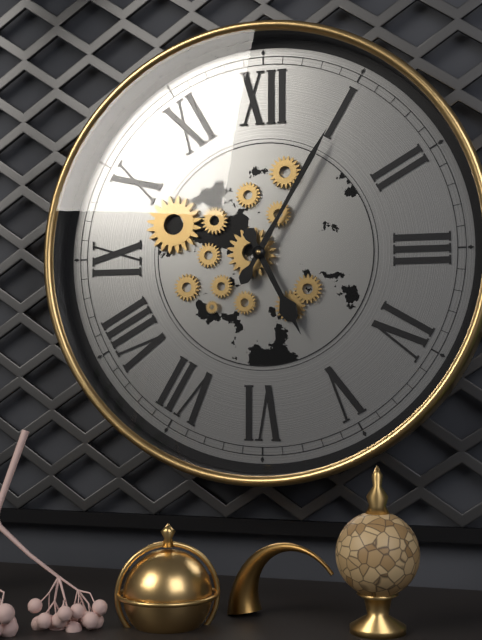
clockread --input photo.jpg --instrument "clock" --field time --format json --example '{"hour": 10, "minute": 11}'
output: {"hour": 5, "minute": 5}
